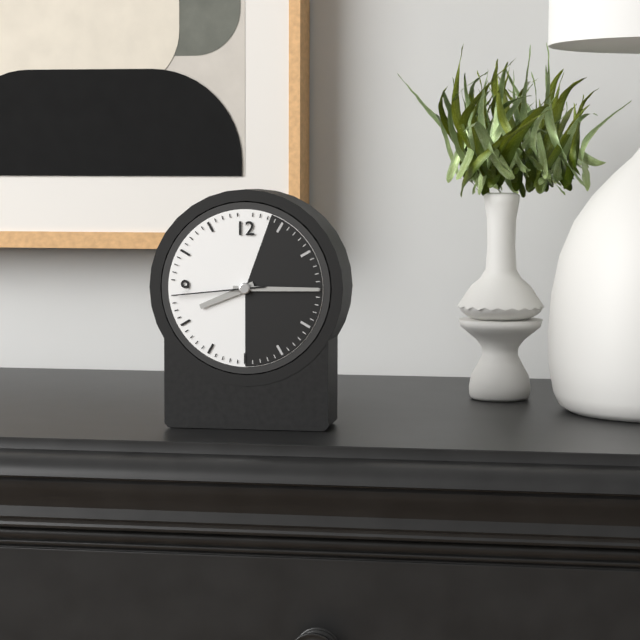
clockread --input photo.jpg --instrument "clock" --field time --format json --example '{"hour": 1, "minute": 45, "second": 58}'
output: {"hour": 8, "minute": 15, "second": 44}
